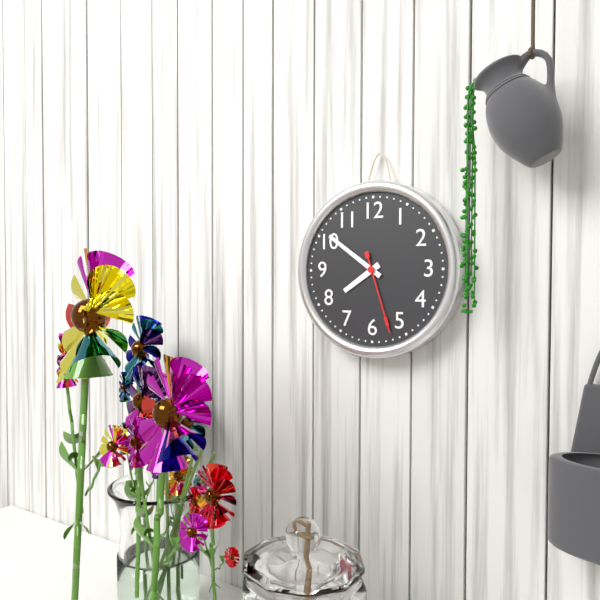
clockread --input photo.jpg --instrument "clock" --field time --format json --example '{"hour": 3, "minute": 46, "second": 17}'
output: {"hour": 7, "minute": 51, "second": 27}
